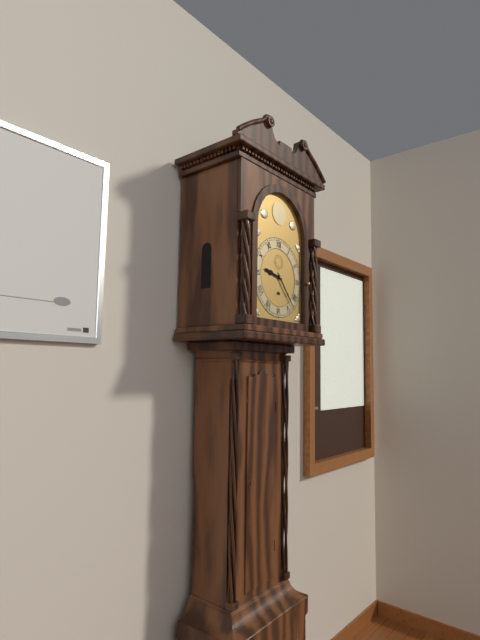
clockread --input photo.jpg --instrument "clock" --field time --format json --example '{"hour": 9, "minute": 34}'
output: {"hour": 9, "minute": 23}
